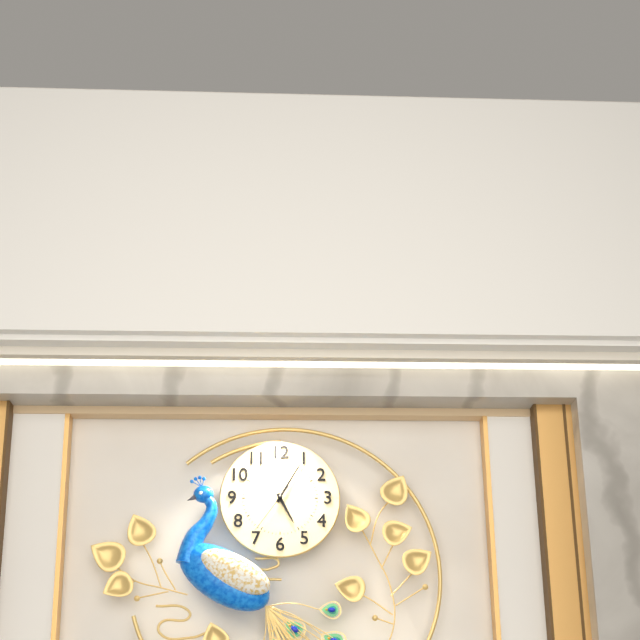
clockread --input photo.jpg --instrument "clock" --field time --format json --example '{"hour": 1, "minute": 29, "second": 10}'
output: {"hour": 5, "minute": 5, "second": 36}
